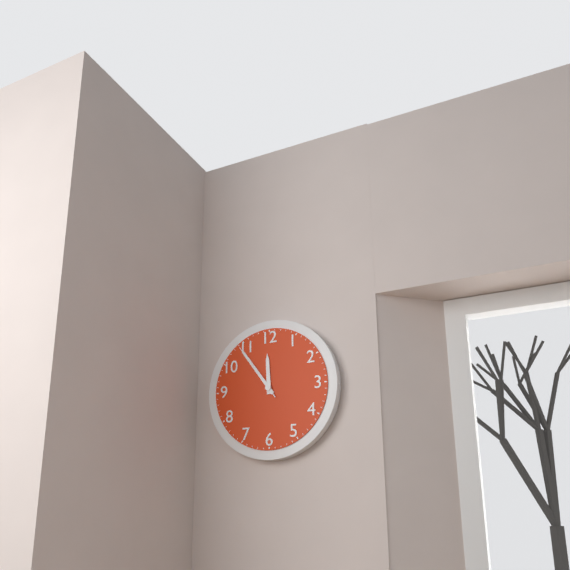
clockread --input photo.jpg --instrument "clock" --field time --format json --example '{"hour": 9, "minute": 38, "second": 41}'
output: {"hour": 11, "minute": 54, "second": 54}
